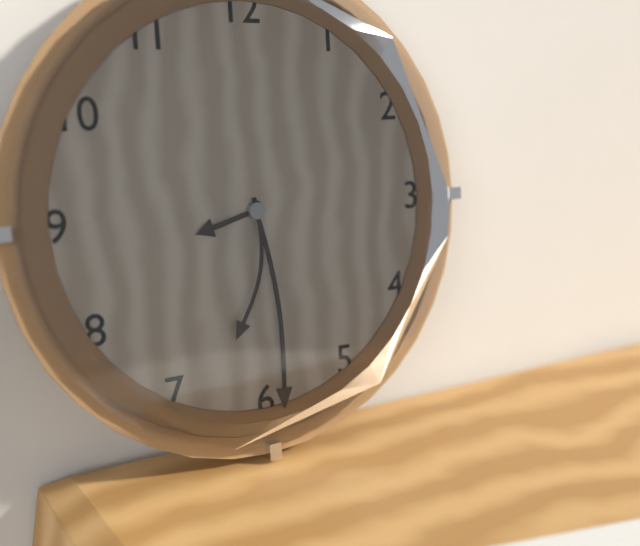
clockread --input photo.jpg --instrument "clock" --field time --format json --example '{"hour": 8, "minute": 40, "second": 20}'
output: {"hour": 8, "minute": 29, "second": 32}
